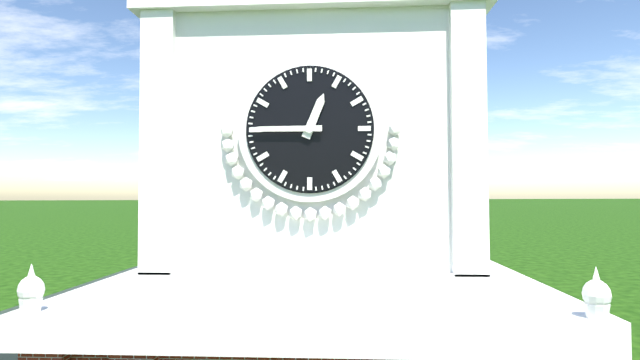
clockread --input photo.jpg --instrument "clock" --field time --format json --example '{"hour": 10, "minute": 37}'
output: {"hour": 12, "minute": 45}
